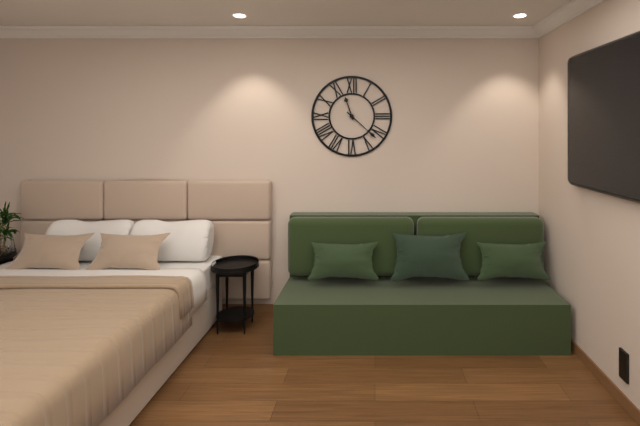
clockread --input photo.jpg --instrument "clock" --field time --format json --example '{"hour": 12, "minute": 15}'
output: {"hour": 11, "minute": 22}
